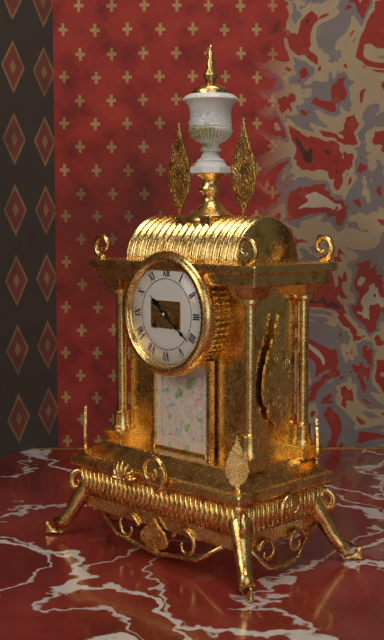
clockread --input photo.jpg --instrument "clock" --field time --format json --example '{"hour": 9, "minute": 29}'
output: {"hour": 10, "minute": 21}
